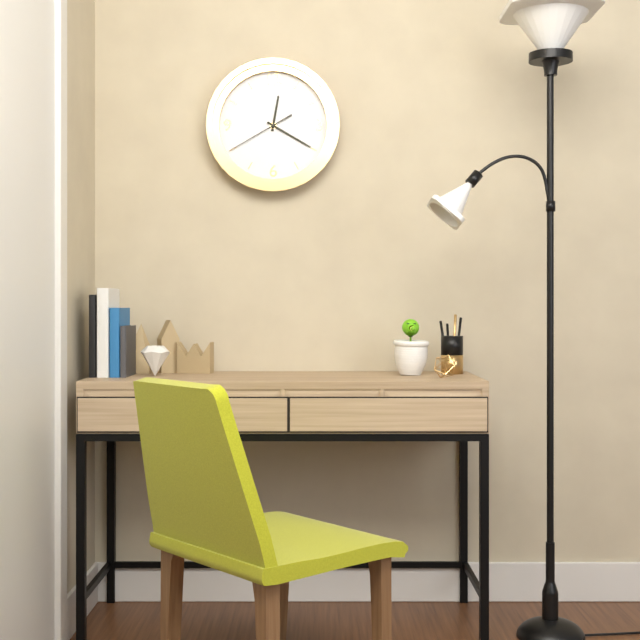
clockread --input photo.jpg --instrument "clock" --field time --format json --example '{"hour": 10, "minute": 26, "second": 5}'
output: {"hour": 12, "minute": 20, "second": 40}
